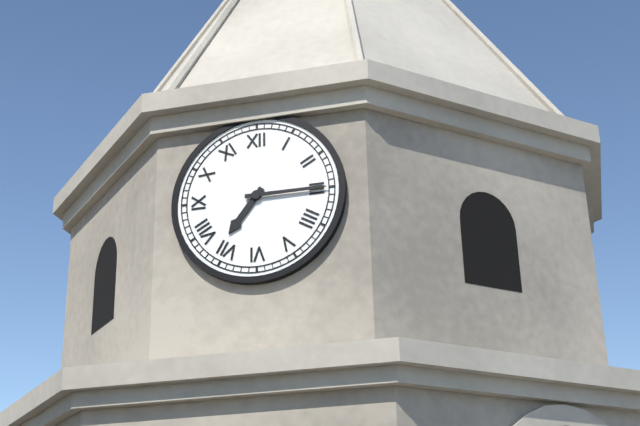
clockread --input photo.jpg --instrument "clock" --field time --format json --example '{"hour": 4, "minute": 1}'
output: {"hour": 7, "minute": 15}
